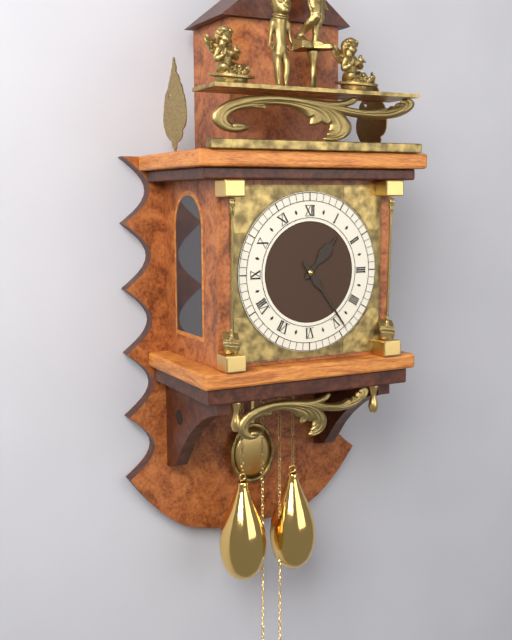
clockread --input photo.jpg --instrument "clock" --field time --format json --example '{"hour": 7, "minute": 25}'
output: {"hour": 1, "minute": 24}
